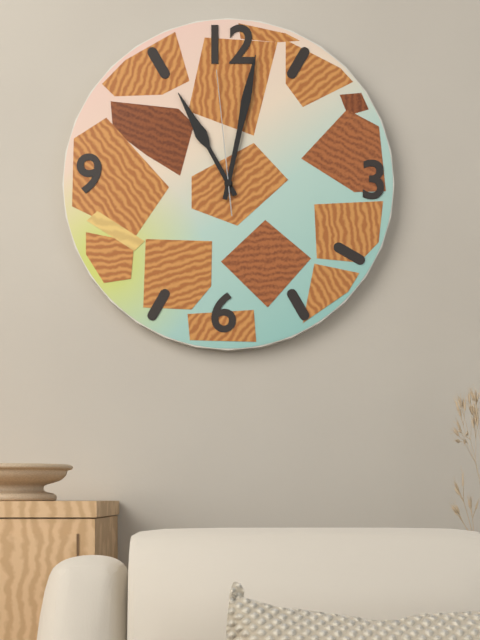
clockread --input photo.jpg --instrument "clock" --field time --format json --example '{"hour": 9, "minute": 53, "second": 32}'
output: {"hour": 11, "minute": 2, "second": 59}
